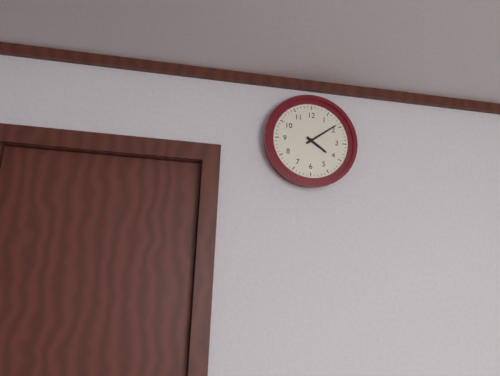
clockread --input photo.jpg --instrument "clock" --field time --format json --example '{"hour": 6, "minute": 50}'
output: {"hour": 4, "minute": 9}
